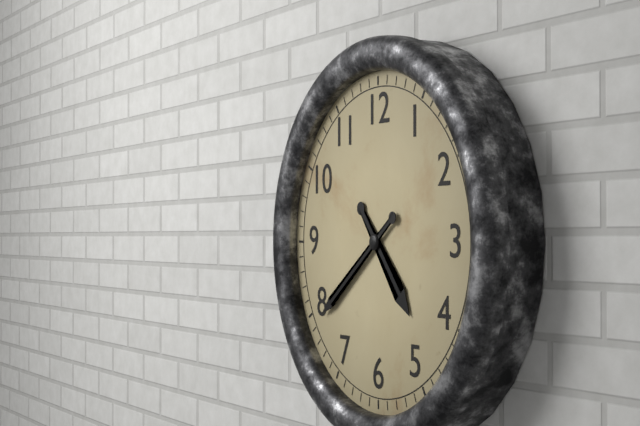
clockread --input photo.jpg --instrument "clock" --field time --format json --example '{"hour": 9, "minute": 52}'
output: {"hour": 4, "minute": 39}
